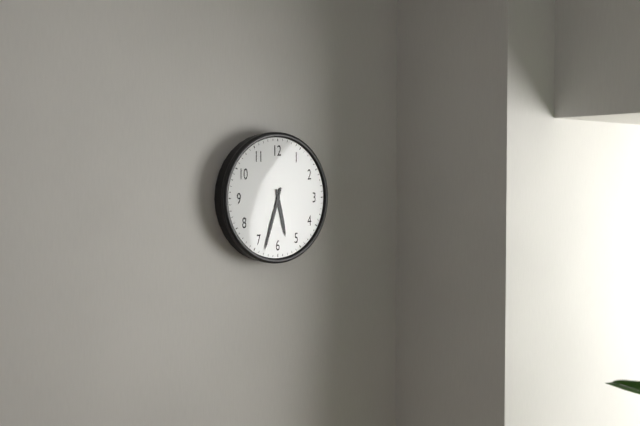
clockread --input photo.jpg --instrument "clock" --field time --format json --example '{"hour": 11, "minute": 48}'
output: {"hour": 5, "minute": 33}
